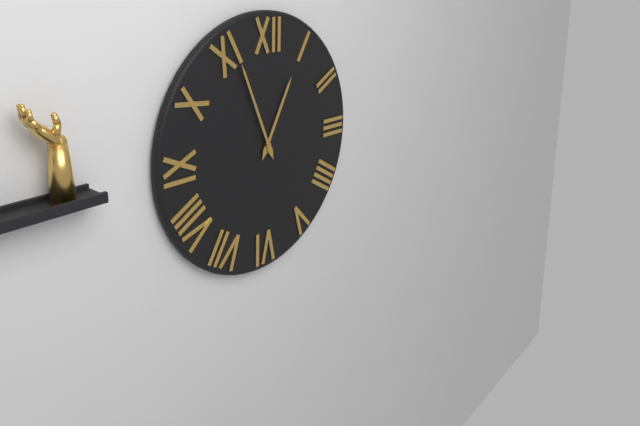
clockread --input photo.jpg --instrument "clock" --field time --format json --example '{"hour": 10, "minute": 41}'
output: {"hour": 12, "minute": 56}
